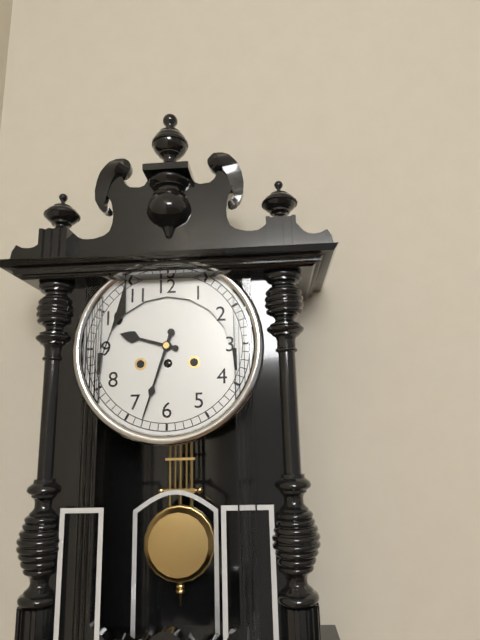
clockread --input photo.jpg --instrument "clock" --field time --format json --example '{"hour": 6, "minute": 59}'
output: {"hour": 9, "minute": 33}
